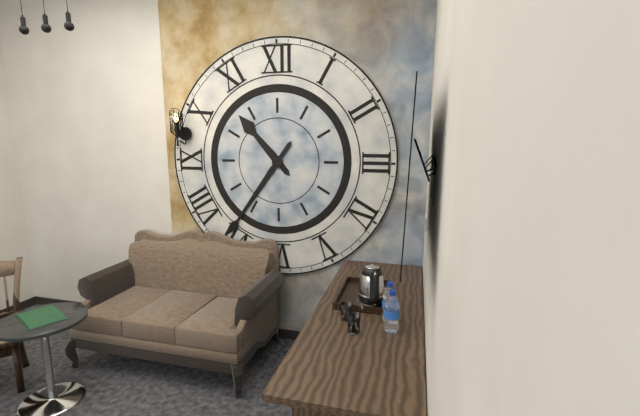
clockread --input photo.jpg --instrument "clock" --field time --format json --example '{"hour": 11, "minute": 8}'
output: {"hour": 10, "minute": 36}
